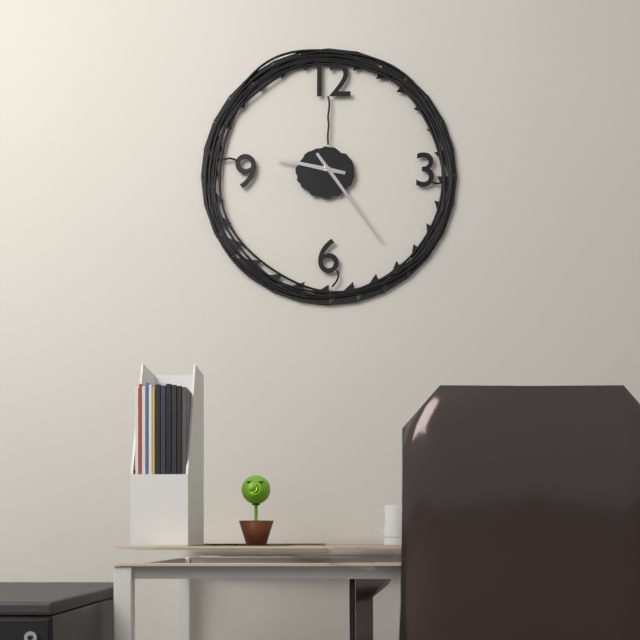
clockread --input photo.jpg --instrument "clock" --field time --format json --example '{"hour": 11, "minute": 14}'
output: {"hour": 9, "minute": 24}
